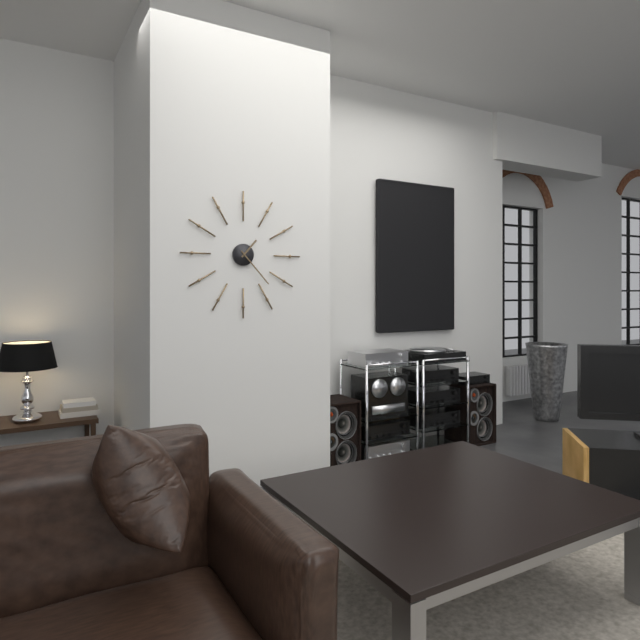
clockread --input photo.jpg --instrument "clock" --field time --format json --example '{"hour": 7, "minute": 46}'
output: {"hour": 1, "minute": 23}
